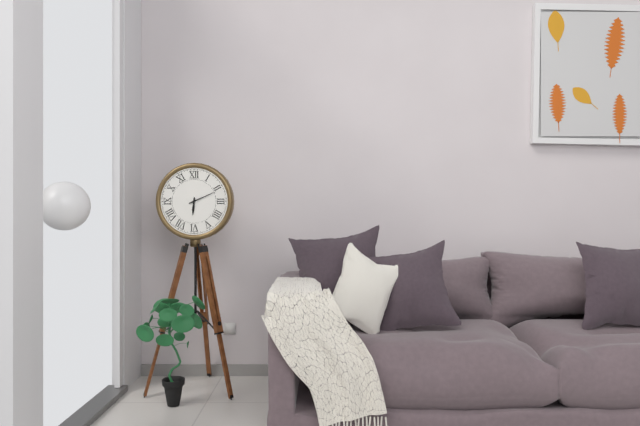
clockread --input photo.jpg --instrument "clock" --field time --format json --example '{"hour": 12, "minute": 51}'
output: {"hour": 6, "minute": 11}
